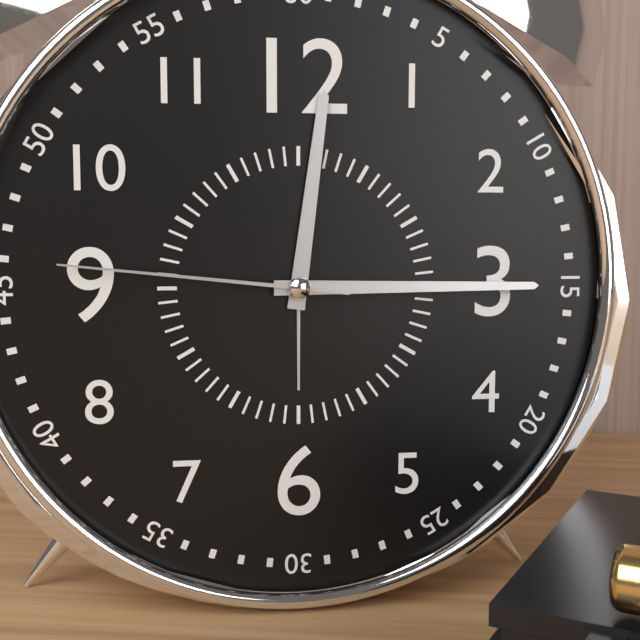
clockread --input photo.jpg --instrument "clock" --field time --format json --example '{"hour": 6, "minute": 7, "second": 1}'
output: {"hour": 12, "minute": 15, "second": 46}
